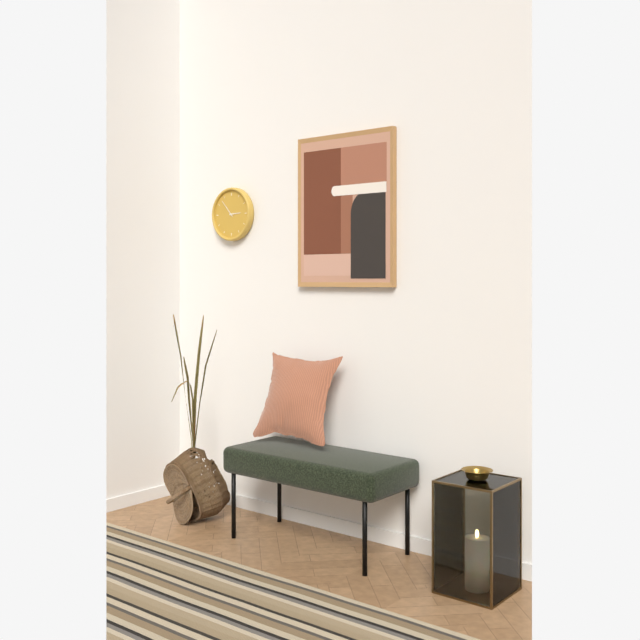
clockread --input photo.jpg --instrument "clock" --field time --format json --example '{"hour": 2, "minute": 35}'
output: {"hour": 2, "minute": 53}
